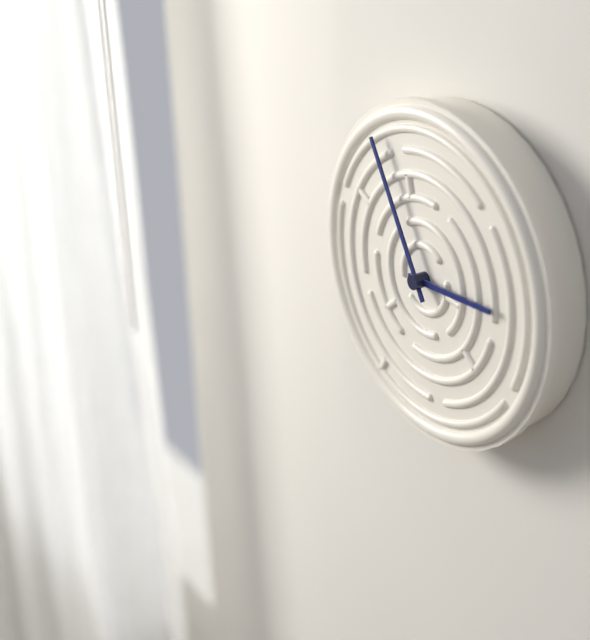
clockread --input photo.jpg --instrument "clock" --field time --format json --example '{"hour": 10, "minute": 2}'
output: {"hour": 2, "minute": 55}
